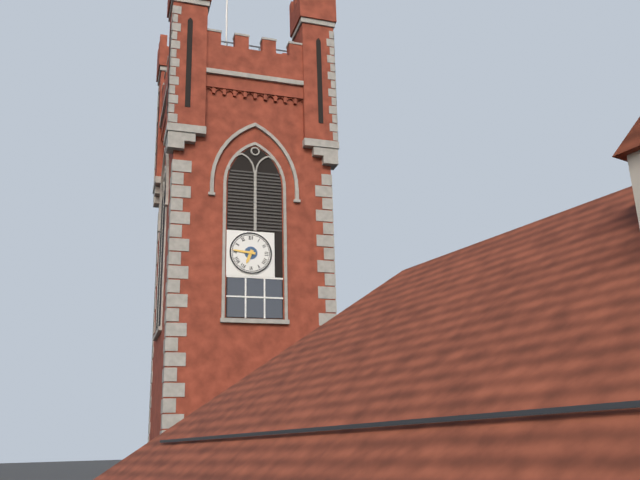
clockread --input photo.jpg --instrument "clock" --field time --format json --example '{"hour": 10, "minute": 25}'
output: {"hour": 6, "minute": 46}
